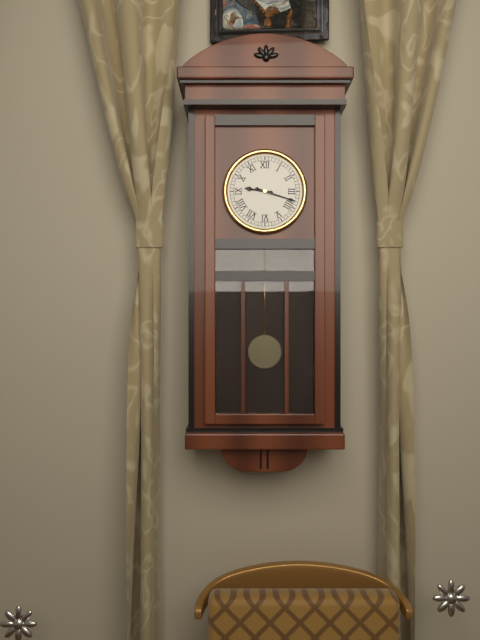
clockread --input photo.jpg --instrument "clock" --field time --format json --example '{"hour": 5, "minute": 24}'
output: {"hour": 9, "minute": 18}
